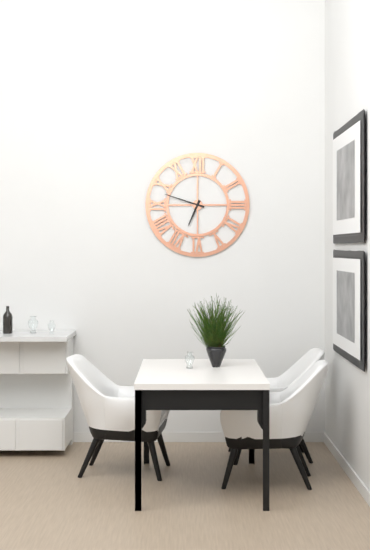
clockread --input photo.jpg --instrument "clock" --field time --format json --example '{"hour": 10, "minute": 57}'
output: {"hour": 6, "minute": 48}
